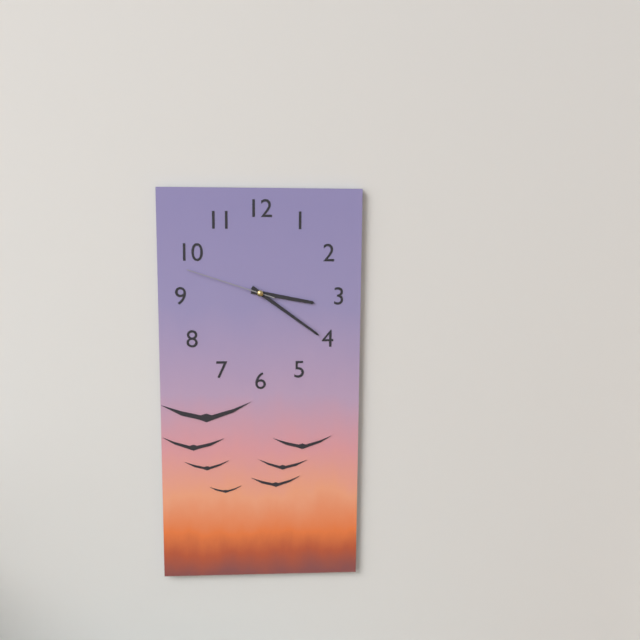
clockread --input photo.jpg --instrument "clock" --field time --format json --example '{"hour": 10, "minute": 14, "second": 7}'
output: {"hour": 3, "minute": 21, "second": 48}
